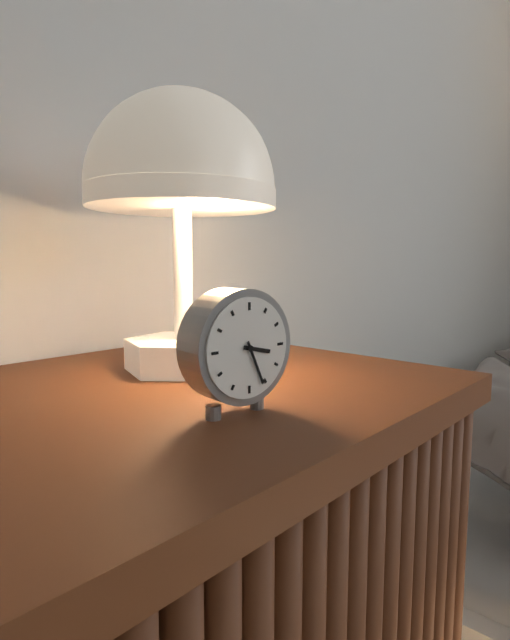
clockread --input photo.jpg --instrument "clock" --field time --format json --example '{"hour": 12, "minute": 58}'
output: {"hour": 3, "minute": 26}
